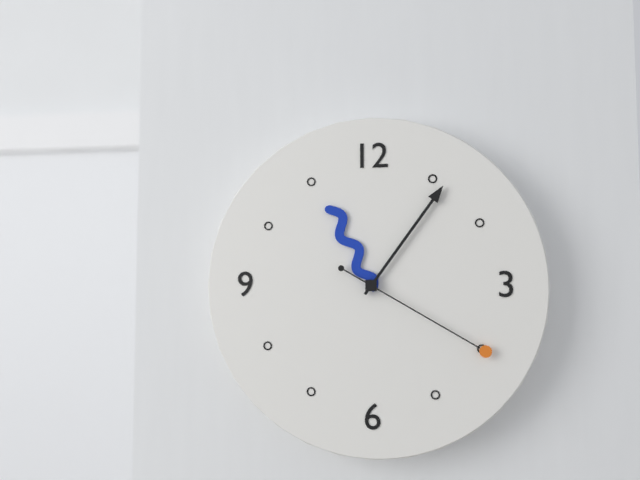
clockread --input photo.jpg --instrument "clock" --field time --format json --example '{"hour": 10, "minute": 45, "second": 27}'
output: {"hour": 11, "minute": 6, "second": 20}
